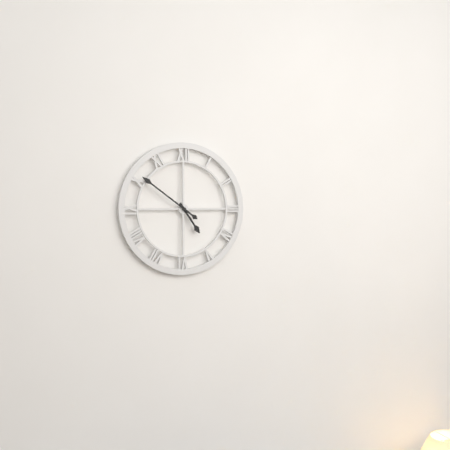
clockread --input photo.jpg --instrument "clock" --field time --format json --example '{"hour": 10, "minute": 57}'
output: {"hour": 4, "minute": 51}
